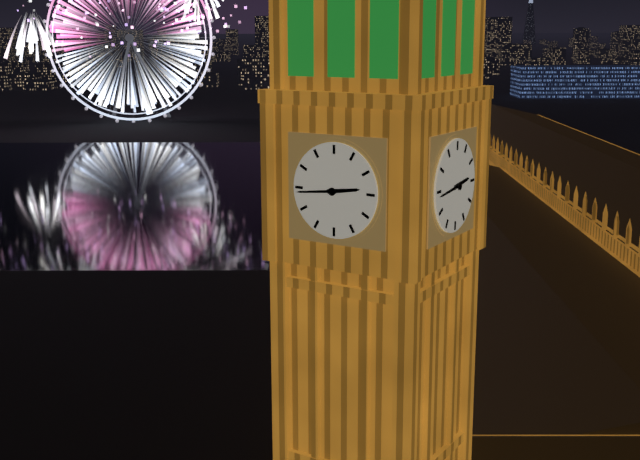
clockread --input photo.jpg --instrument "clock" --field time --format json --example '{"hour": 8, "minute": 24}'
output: {"hour": 2, "minute": 44}
